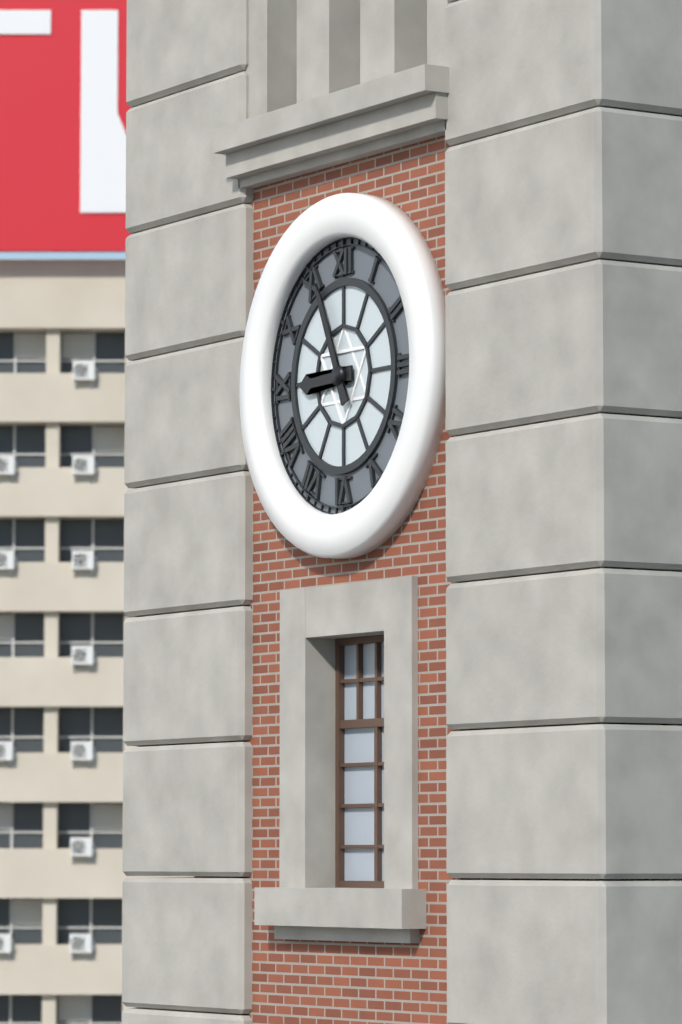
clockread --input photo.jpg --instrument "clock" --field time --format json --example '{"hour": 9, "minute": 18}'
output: {"hour": 8, "minute": 56}
